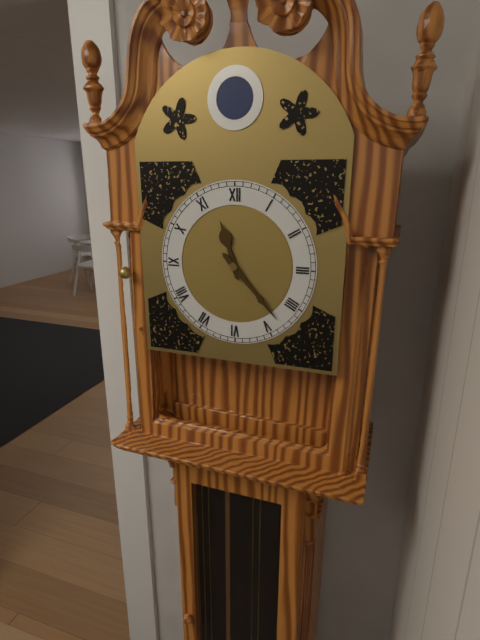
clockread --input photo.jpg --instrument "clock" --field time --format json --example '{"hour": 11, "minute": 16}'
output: {"hour": 11, "minute": 23}
